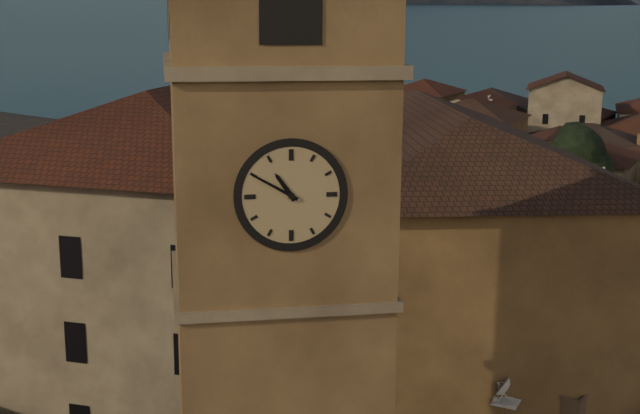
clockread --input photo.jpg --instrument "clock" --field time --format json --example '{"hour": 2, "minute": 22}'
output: {"hour": 10, "minute": 50}
